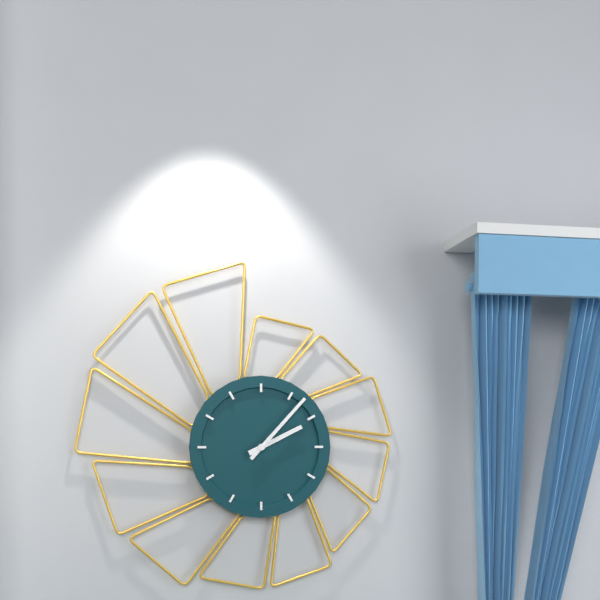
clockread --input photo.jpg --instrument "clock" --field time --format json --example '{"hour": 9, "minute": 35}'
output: {"hour": 2, "minute": 7}
